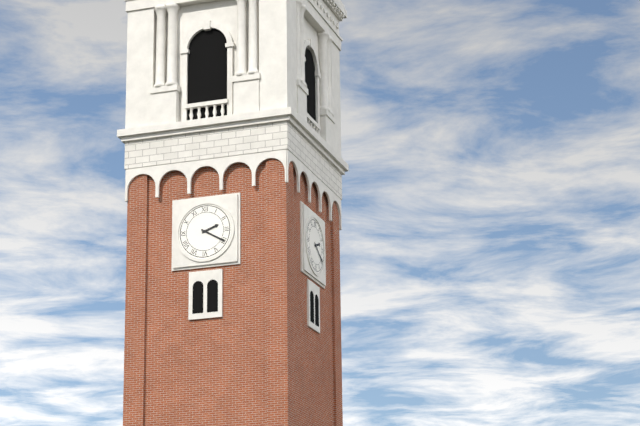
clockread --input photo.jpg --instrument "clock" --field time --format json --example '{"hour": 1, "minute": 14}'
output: {"hour": 2, "minute": 20}
